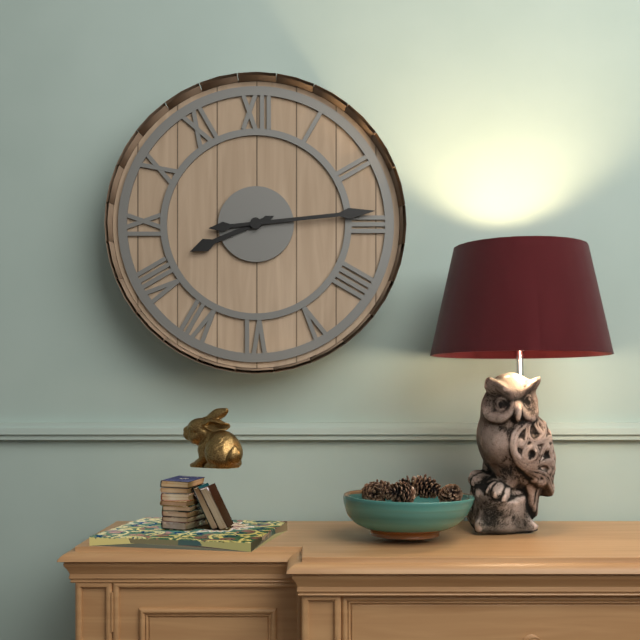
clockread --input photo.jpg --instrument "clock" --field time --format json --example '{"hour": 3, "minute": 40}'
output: {"hour": 8, "minute": 14}
